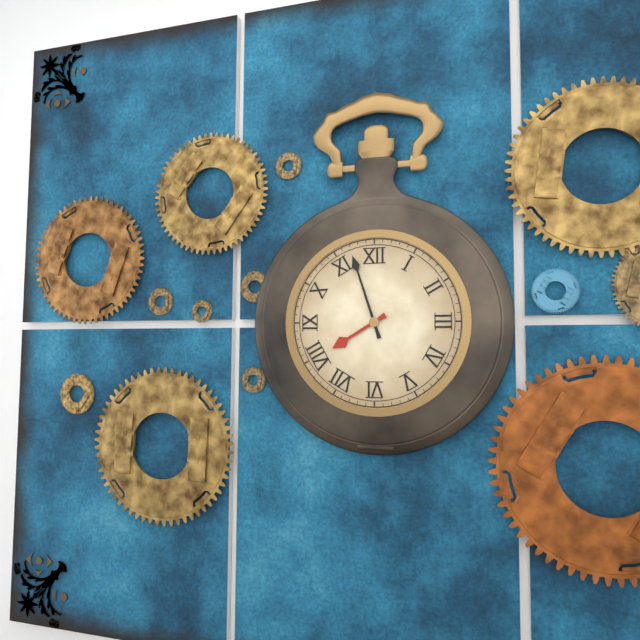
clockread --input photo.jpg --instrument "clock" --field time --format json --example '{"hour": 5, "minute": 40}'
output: {"hour": 7, "minute": 57}
